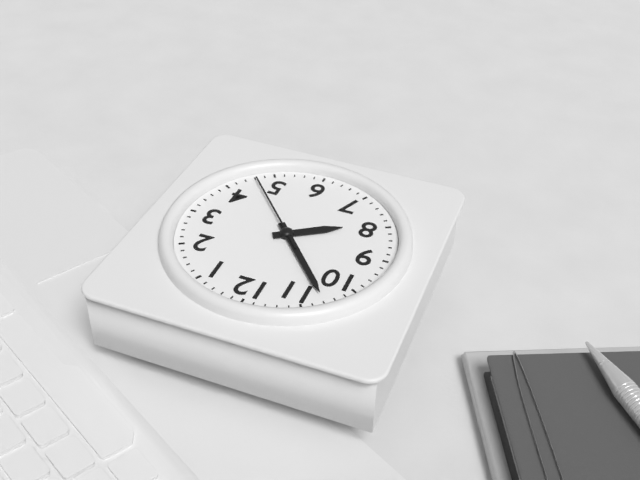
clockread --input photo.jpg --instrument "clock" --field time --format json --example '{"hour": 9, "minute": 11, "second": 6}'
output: {"hour": 7, "minute": 53, "second": 23}
